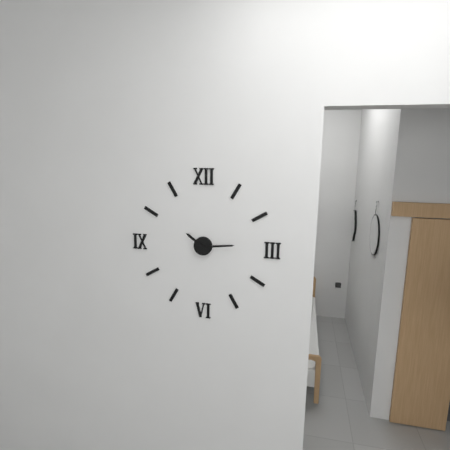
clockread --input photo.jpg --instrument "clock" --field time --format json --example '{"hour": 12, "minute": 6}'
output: {"hour": 10, "minute": 14}
